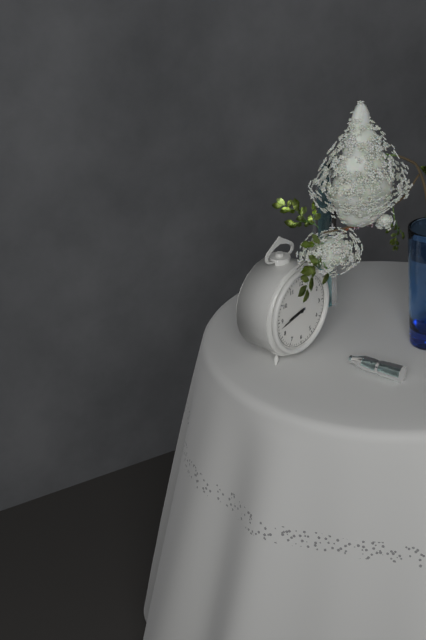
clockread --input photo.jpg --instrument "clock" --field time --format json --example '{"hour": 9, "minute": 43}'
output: {"hour": 8, "minute": 43}
